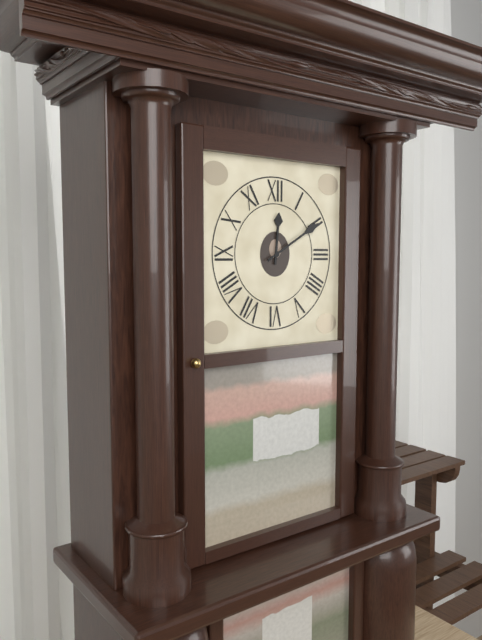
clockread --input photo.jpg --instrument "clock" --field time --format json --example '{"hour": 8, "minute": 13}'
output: {"hour": 12, "minute": 10}
